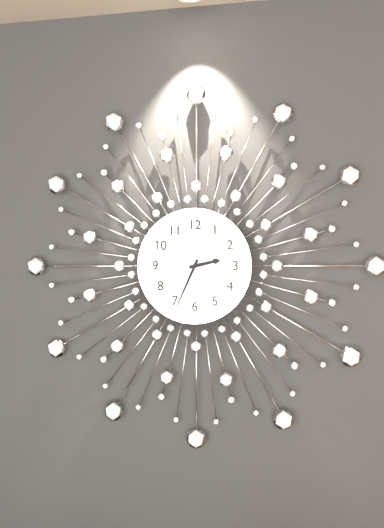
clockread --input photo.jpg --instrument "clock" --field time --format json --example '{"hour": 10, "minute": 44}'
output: {"hour": 2, "minute": 34}
